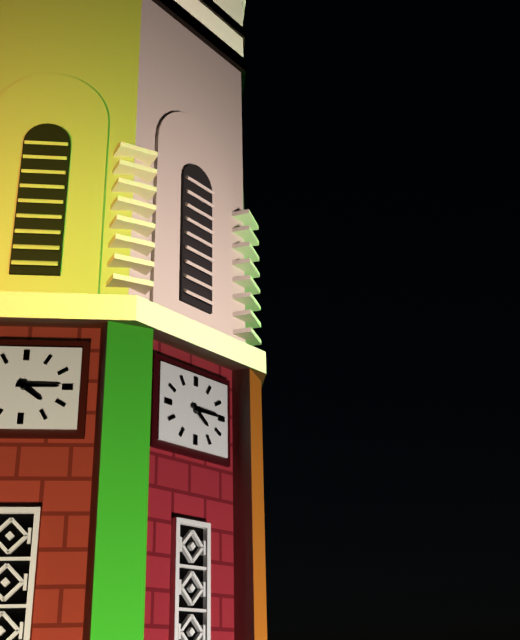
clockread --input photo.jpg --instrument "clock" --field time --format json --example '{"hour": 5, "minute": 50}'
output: {"hour": 4, "minute": 15}
